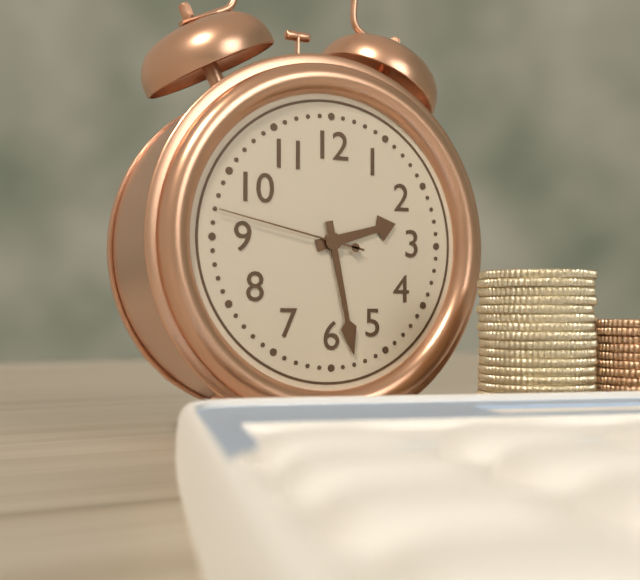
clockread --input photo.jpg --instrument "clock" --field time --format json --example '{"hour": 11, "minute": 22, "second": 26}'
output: {"hour": 2, "minute": 28, "second": 47}
